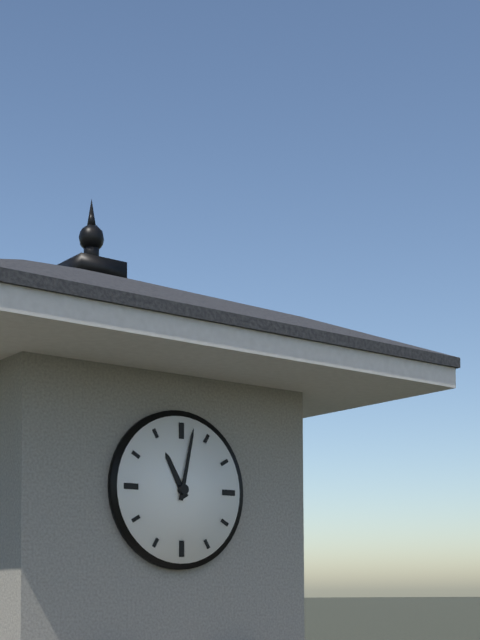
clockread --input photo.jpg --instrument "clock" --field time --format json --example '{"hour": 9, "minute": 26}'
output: {"hour": 11, "minute": 2}
